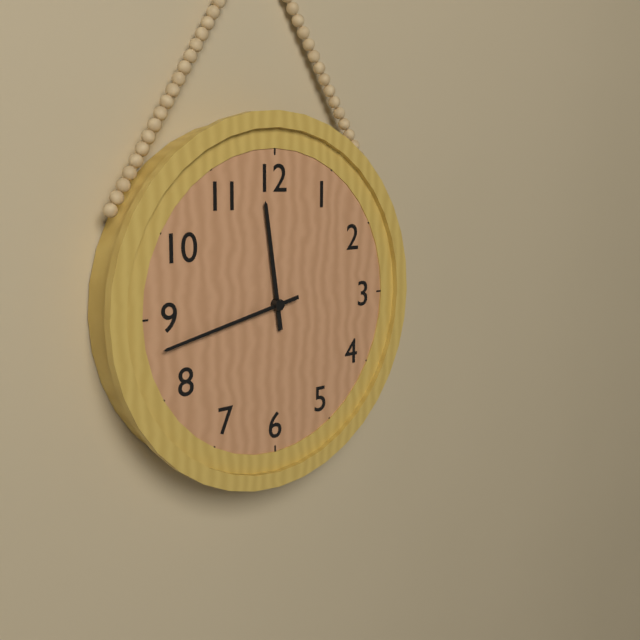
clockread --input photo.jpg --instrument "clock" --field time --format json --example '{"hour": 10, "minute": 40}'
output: {"hour": 11, "minute": 43}
